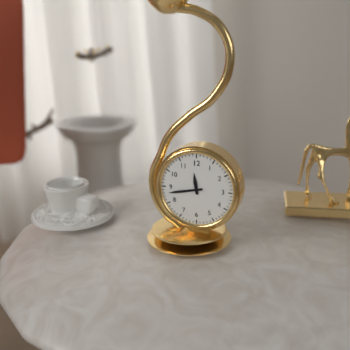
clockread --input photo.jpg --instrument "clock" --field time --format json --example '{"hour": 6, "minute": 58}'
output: {"hour": 11, "minute": 43}
